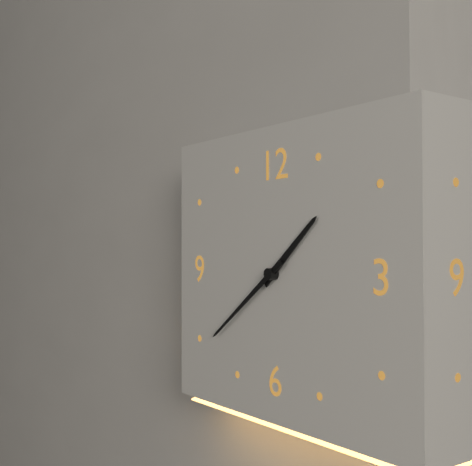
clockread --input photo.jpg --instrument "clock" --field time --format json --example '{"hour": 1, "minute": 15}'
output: {"hour": 1, "minute": 39}
